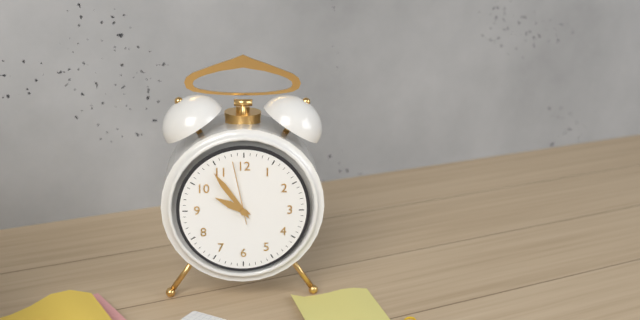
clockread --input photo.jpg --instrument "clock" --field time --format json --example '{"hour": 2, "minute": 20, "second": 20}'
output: {"hour": 9, "minute": 54, "second": 58}
